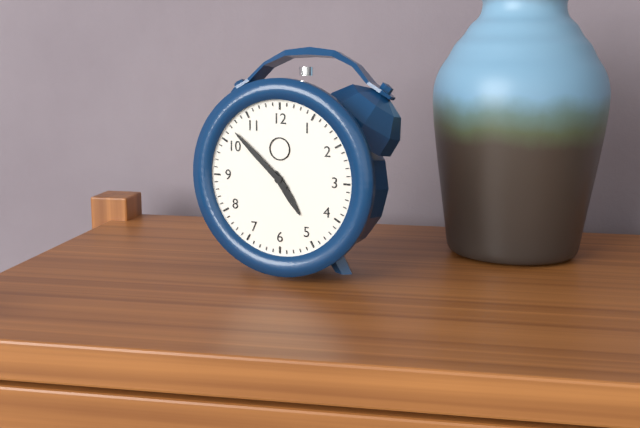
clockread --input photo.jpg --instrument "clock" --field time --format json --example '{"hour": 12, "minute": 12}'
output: {"hour": 4, "minute": 52}
